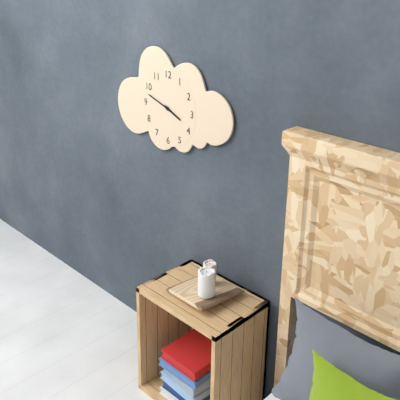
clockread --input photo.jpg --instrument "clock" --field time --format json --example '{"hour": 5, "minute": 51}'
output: {"hour": 3, "minute": 48}
